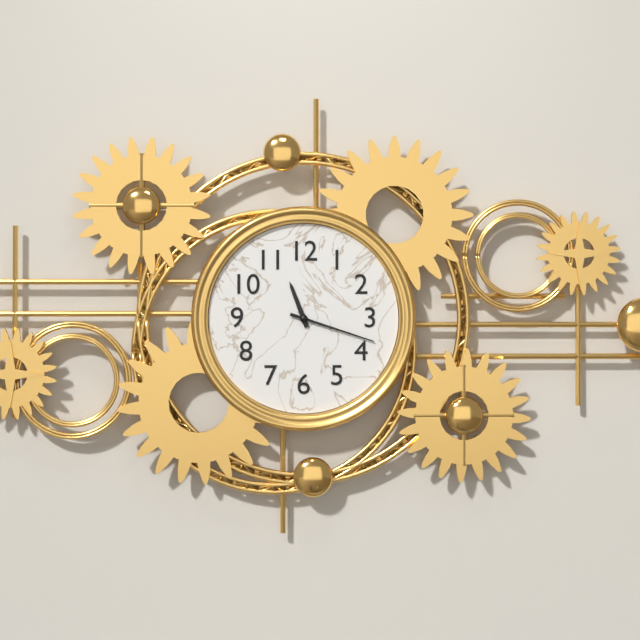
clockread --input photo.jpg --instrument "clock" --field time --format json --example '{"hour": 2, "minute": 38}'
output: {"hour": 11, "minute": 18}
